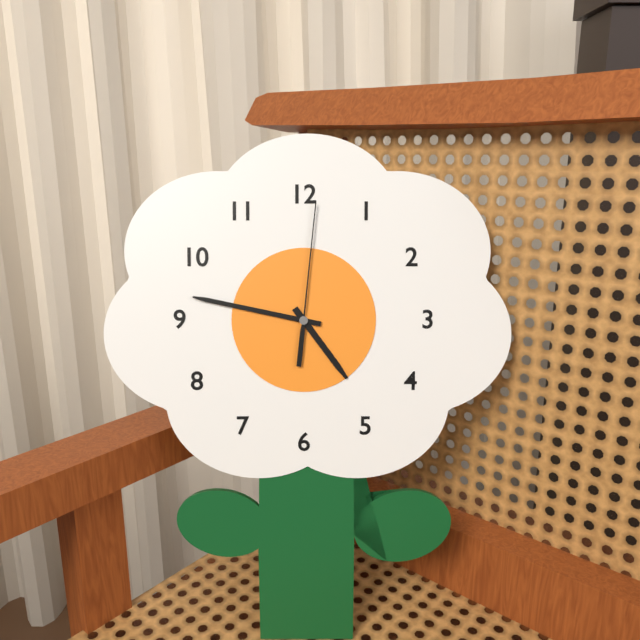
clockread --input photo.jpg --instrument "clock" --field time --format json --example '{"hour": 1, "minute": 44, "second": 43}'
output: {"hour": 4, "minute": 47, "second": 1}
